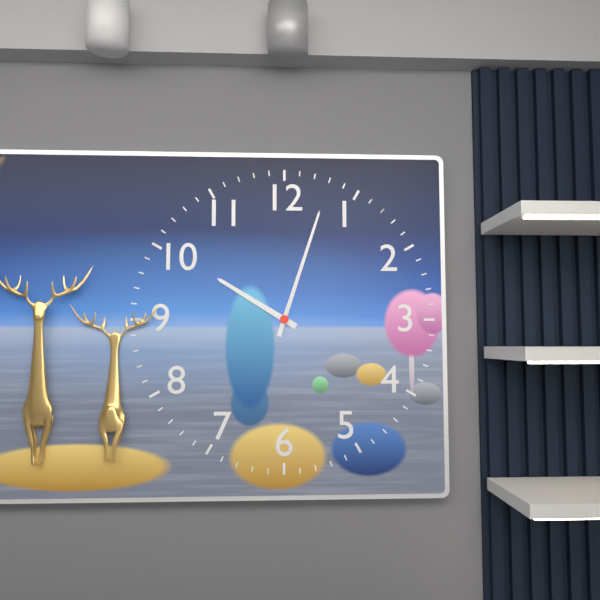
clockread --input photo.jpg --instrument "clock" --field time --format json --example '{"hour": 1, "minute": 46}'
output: {"hour": 10, "minute": 3}
